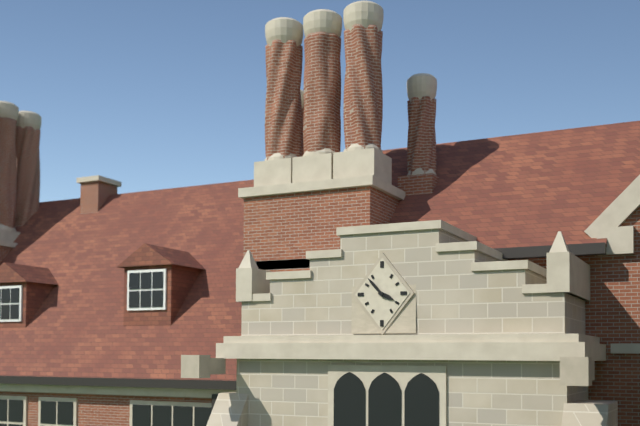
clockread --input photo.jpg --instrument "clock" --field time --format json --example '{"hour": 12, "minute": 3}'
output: {"hour": 3, "minute": 53}
